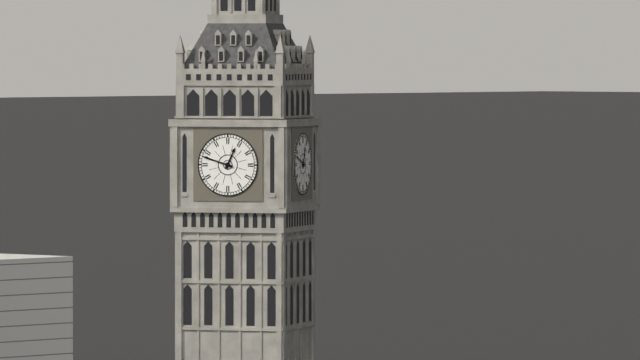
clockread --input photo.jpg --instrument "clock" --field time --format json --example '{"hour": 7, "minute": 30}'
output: {"hour": 12, "minute": 48}
